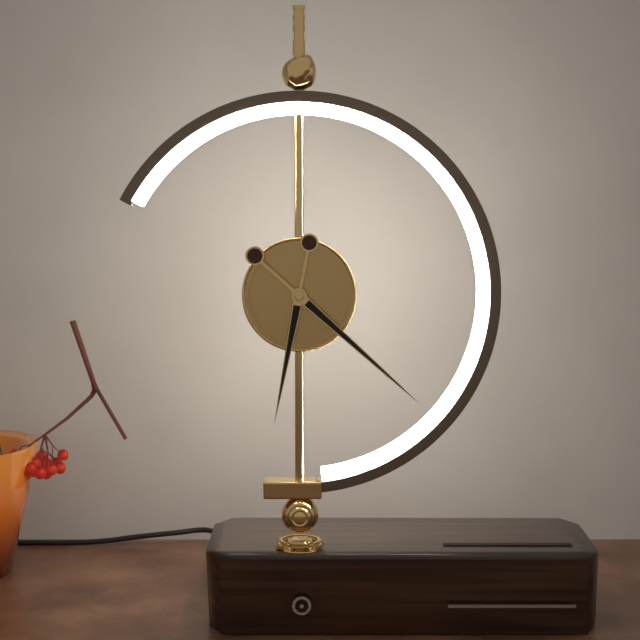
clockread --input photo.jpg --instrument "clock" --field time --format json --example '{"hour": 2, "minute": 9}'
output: {"hour": 6, "minute": 22}
